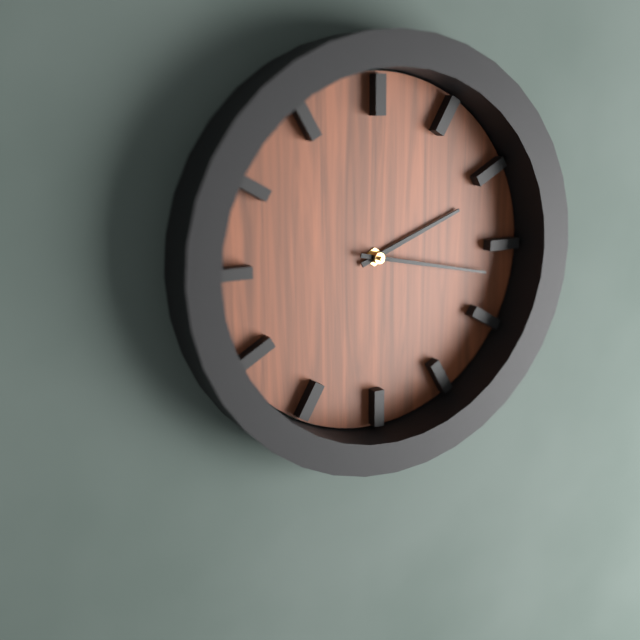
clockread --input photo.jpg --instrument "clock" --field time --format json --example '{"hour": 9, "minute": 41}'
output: {"hour": 2, "minute": 17}
